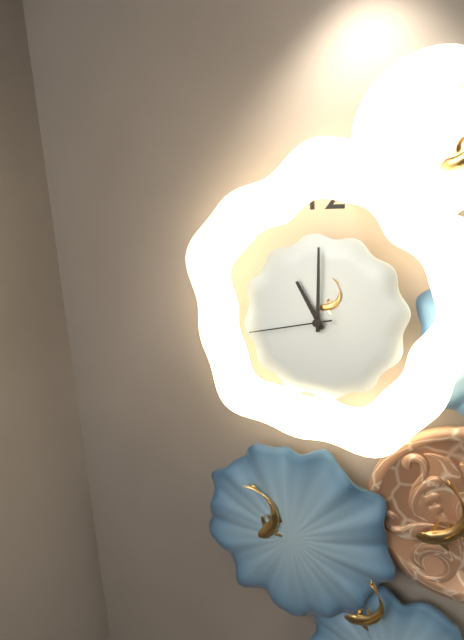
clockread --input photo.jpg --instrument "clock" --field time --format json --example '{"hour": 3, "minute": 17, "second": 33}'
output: {"hour": 11, "minute": 0, "second": 43}
